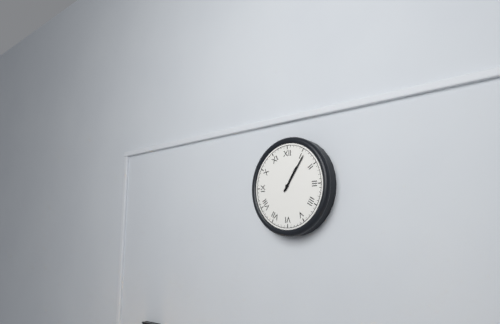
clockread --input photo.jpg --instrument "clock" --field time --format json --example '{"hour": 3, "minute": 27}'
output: {"hour": 1, "minute": 6}
